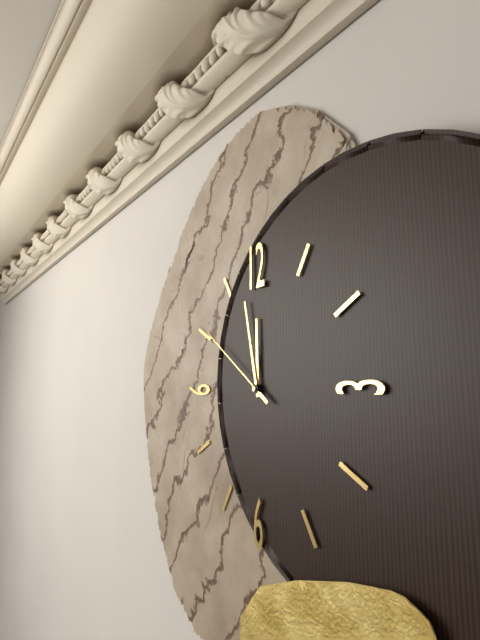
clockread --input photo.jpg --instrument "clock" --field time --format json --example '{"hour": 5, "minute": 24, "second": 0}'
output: {"hour": 11, "minute": 58, "second": 51}
